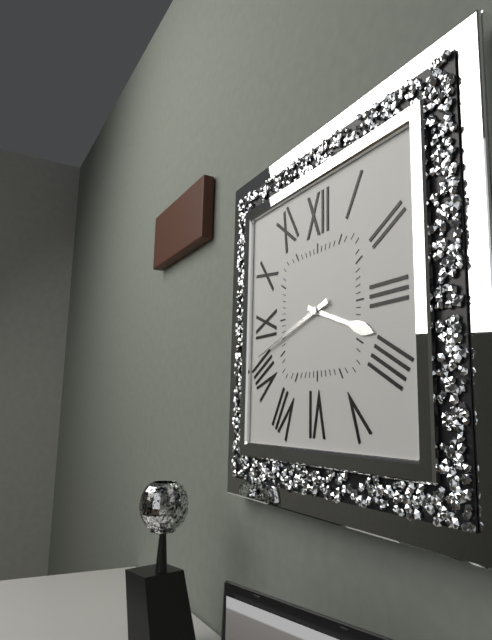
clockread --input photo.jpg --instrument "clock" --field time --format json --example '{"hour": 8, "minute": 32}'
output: {"hour": 3, "minute": 42}
